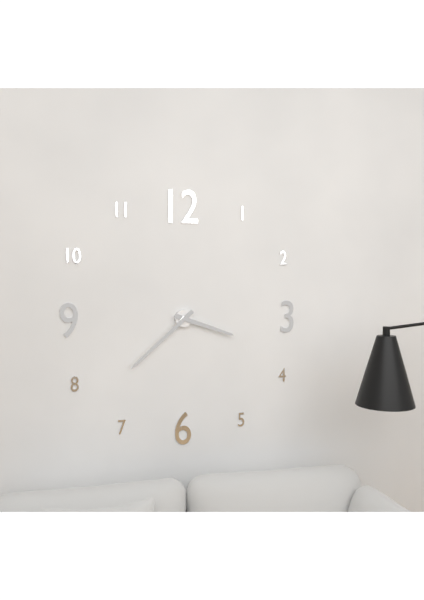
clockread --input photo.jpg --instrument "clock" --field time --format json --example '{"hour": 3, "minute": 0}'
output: {"hour": 3, "minute": 38}
